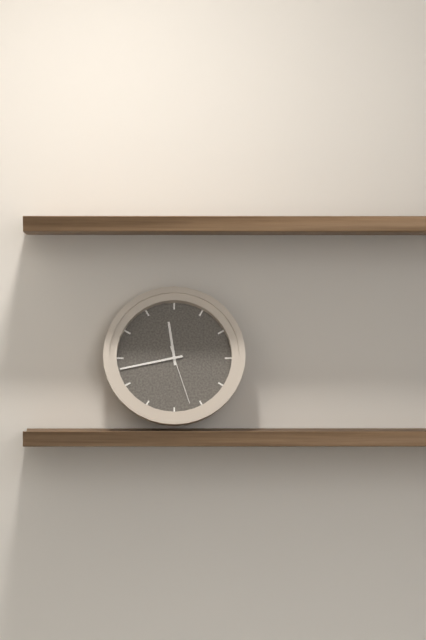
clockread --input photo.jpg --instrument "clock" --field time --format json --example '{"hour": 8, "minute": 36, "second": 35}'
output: {"hour": 11, "minute": 43, "second": 27}
